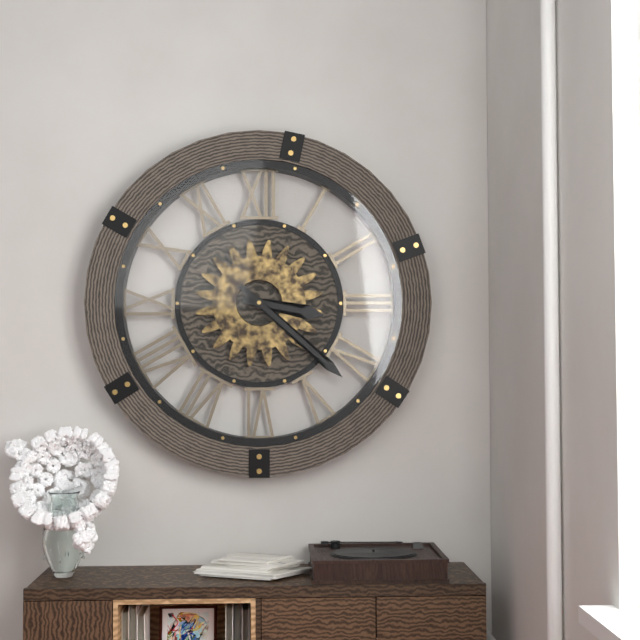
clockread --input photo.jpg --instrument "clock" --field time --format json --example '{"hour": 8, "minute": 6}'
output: {"hour": 3, "minute": 22}
